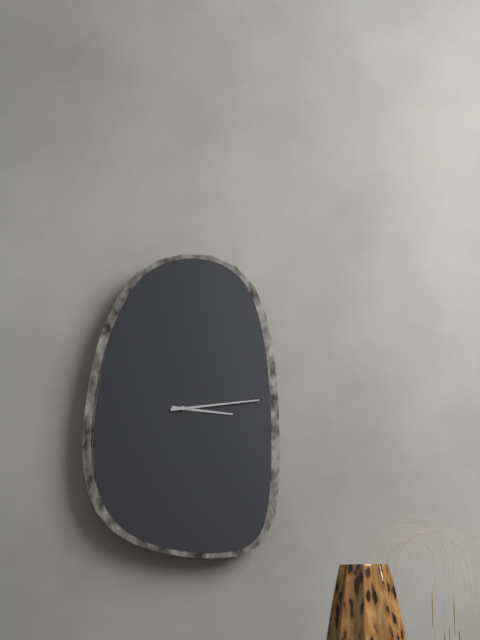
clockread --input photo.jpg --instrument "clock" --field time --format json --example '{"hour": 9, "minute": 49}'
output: {"hour": 3, "minute": 14}
